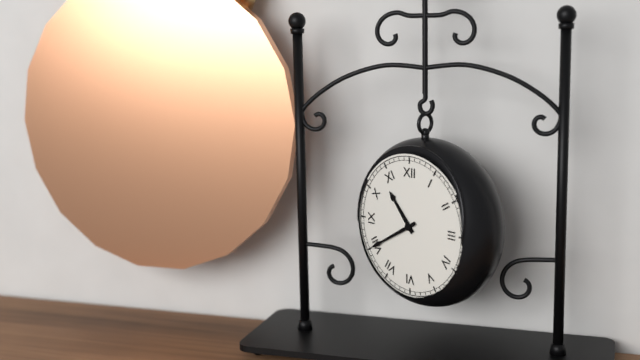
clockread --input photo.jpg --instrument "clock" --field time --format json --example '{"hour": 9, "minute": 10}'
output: {"hour": 10, "minute": 40}
